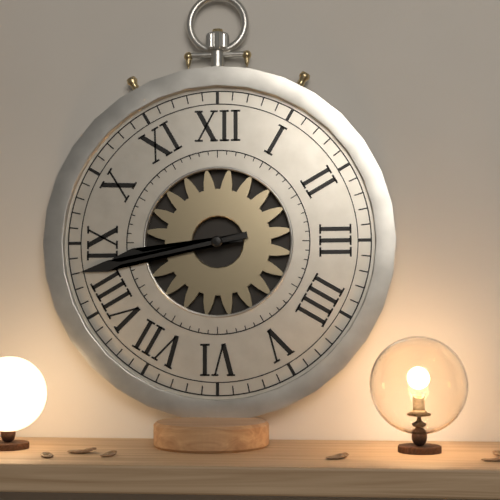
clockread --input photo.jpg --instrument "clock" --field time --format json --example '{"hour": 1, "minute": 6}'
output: {"hour": 8, "minute": 43}
